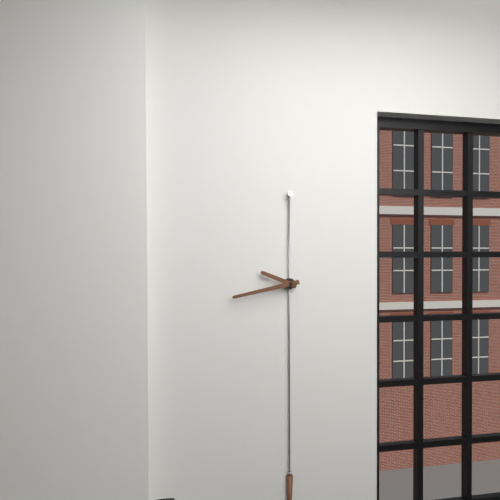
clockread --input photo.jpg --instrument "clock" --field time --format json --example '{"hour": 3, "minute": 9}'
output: {"hour": 9, "minute": 43}
